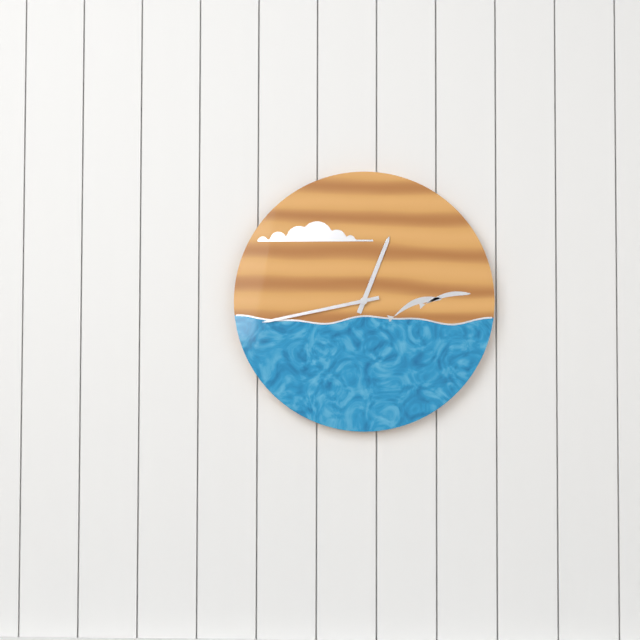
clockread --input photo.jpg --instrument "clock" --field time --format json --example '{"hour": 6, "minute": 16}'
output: {"hour": 12, "minute": 43}
